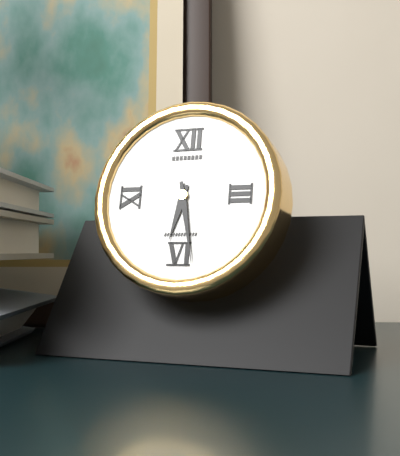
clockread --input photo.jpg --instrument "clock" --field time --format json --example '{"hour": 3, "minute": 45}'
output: {"hour": 6, "minute": 28}
